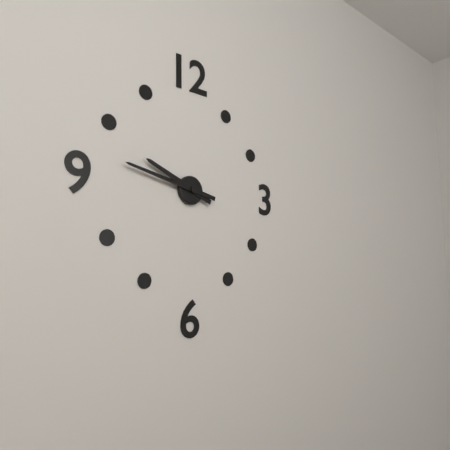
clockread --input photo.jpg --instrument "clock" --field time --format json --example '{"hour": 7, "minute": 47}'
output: {"hour": 9, "minute": 47}
